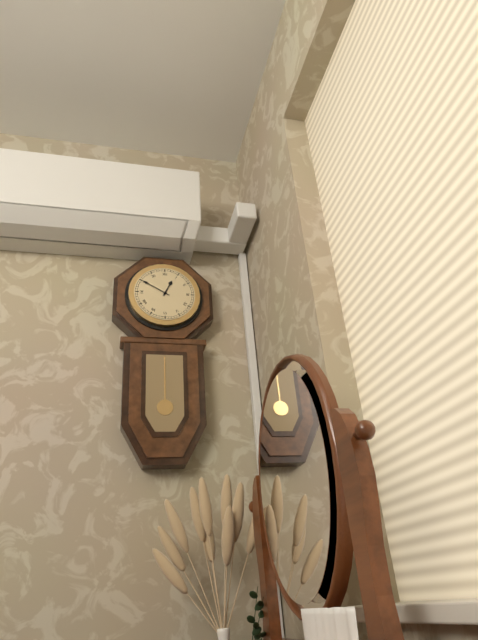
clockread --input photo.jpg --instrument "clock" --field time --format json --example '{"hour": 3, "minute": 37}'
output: {"hour": 12, "minute": 50}
